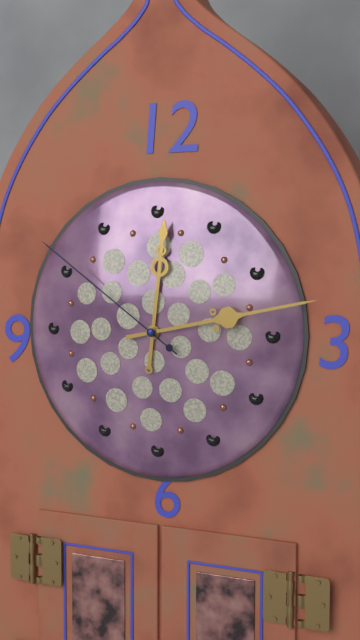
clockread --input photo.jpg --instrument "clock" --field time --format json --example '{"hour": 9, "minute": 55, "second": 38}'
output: {"hour": 12, "minute": 13, "second": 51}
